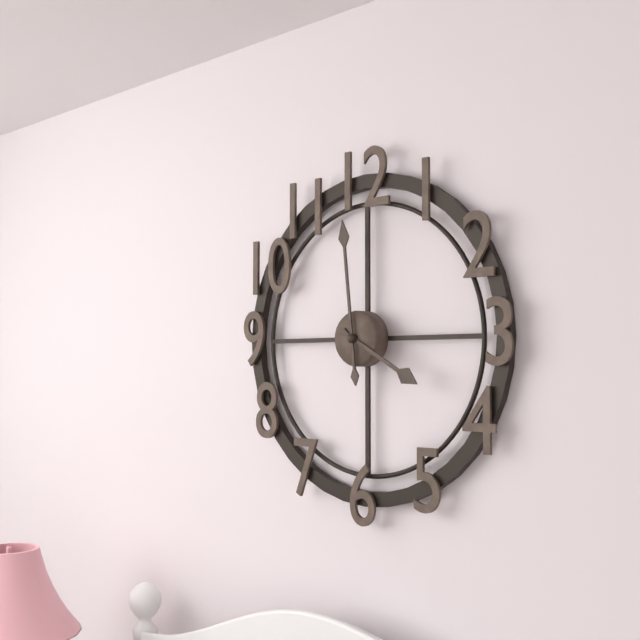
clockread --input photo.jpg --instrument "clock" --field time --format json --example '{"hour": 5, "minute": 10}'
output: {"hour": 3, "minute": 59}
